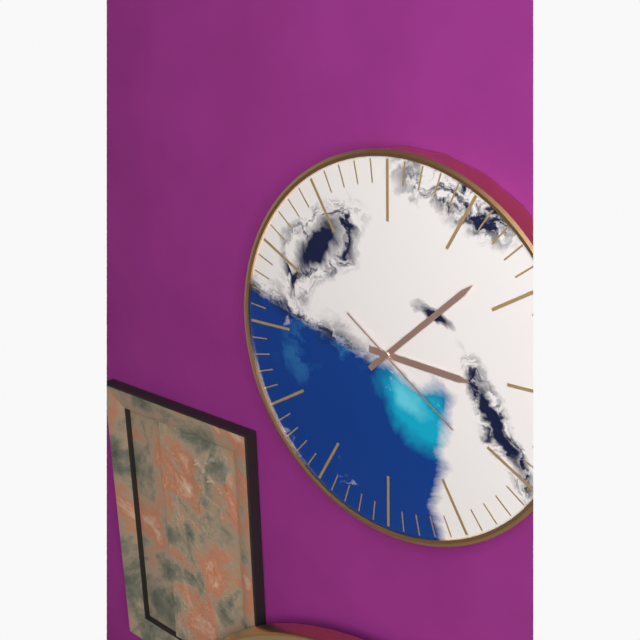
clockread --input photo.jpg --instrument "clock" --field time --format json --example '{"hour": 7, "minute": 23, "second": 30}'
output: {"hour": 3, "minute": 8, "second": 21}
